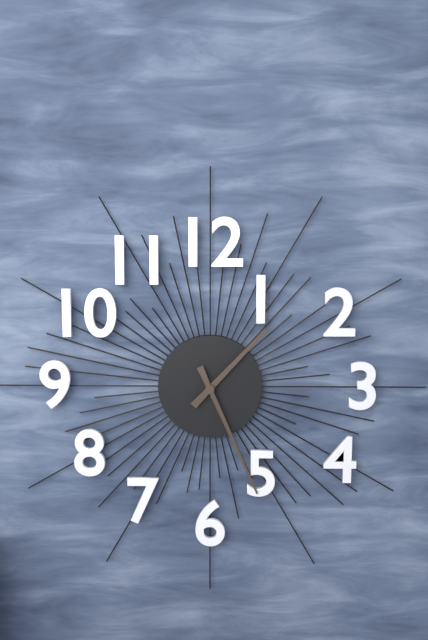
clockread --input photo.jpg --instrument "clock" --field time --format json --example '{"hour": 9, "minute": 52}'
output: {"hour": 1, "minute": 26}
